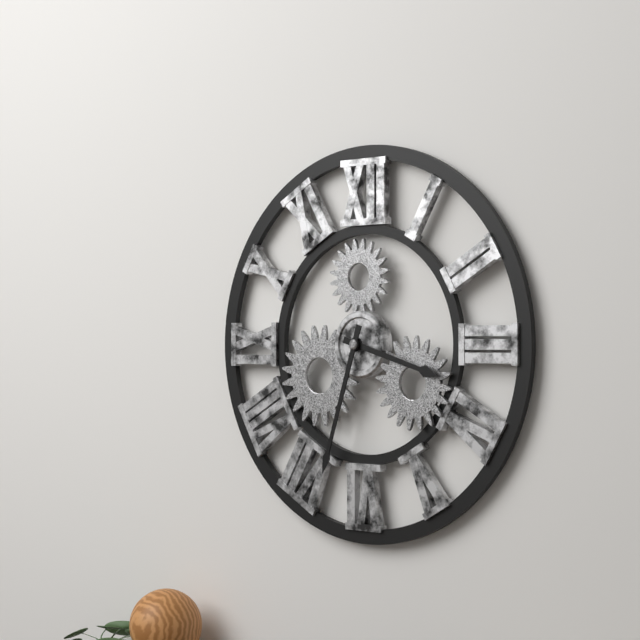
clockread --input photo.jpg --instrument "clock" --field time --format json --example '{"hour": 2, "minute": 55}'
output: {"hour": 3, "minute": 33}
